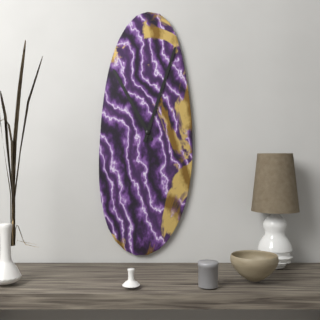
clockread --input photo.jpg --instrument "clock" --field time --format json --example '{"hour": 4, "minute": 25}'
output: {"hour": 11, "minute": 3}
